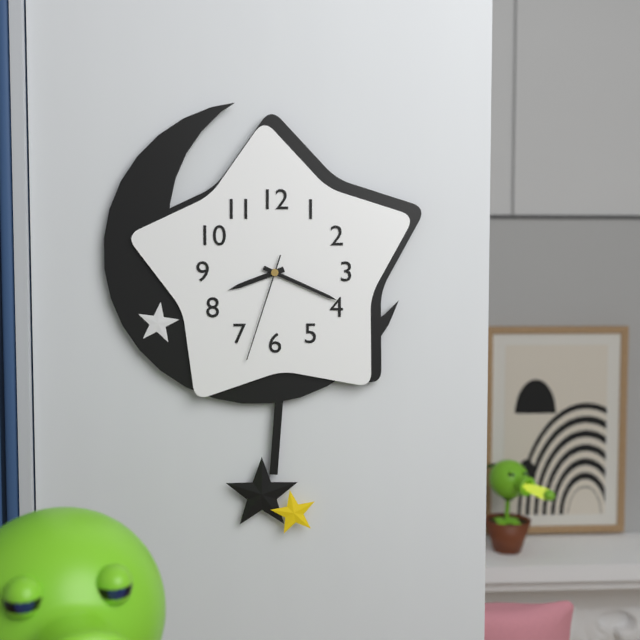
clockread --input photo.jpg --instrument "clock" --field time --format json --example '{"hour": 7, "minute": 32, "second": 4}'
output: {"hour": 8, "minute": 19, "second": 33}
